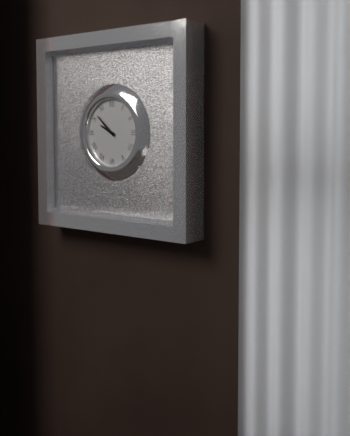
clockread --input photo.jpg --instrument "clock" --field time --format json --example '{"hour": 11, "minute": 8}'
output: {"hour": 9, "minute": 52}
